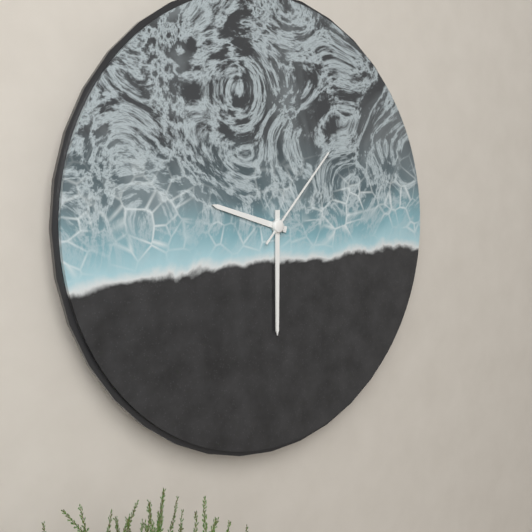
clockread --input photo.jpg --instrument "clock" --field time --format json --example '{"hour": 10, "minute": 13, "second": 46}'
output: {"hour": 9, "minute": 30, "second": 7}
